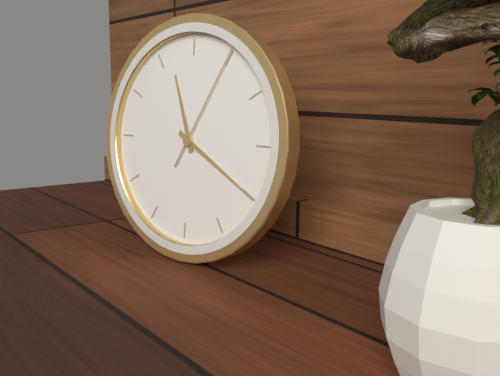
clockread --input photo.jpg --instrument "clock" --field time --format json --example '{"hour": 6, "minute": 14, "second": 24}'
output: {"hour": 11, "minute": 20, "second": 5}
